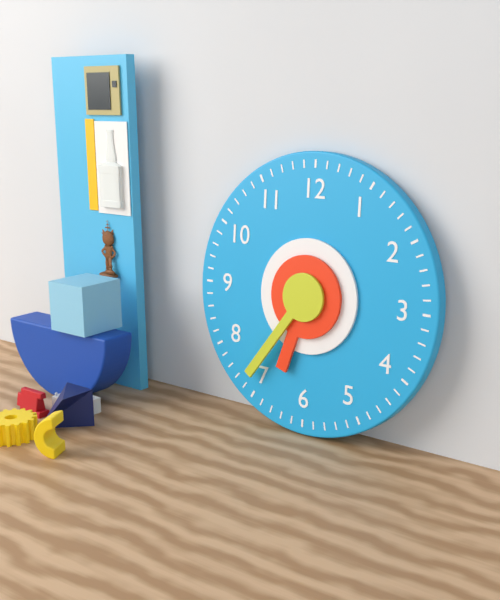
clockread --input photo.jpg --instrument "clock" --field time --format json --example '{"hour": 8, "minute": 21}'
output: {"hour": 6, "minute": 36}
